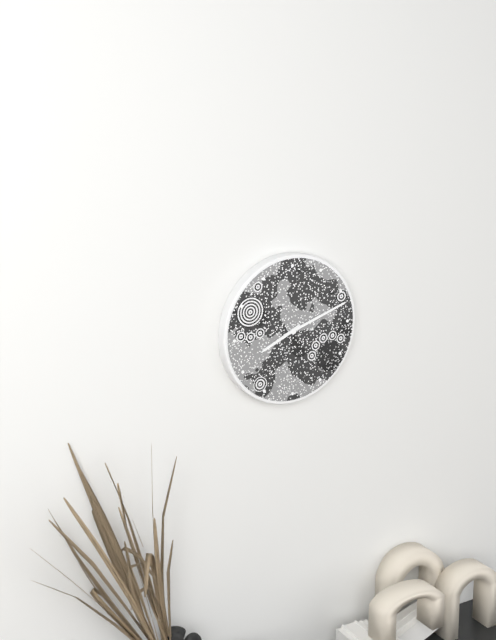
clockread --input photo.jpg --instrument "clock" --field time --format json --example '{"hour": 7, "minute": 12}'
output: {"hour": 8, "minute": 12}
